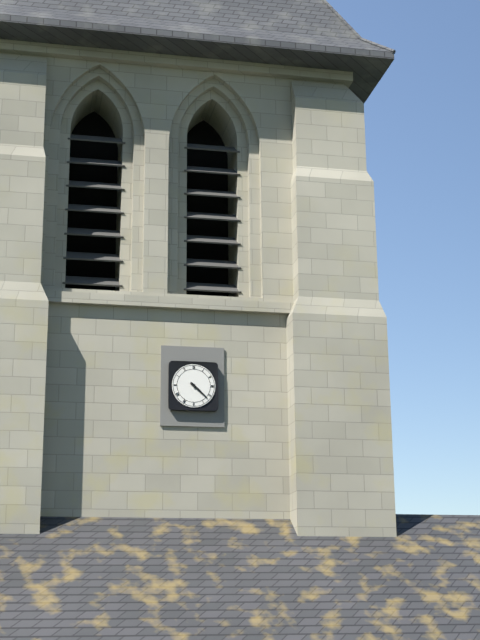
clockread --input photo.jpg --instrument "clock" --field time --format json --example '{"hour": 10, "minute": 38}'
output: {"hour": 4, "minute": 22}
